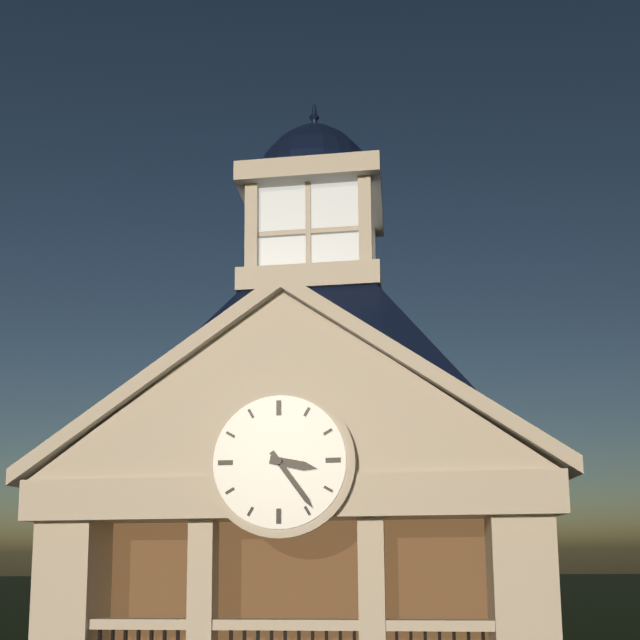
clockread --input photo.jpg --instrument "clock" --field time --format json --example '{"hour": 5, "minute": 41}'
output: {"hour": 3, "minute": 24}
